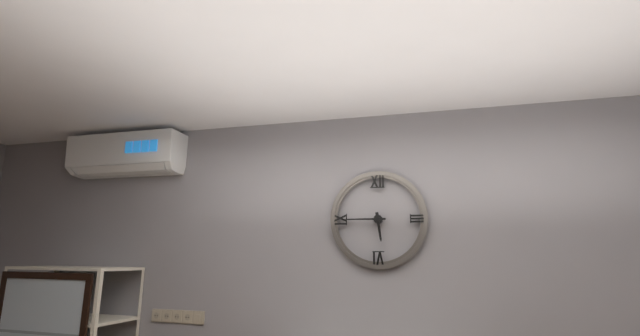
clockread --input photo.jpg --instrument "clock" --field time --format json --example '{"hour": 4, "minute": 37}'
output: {"hour": 5, "minute": 45}
